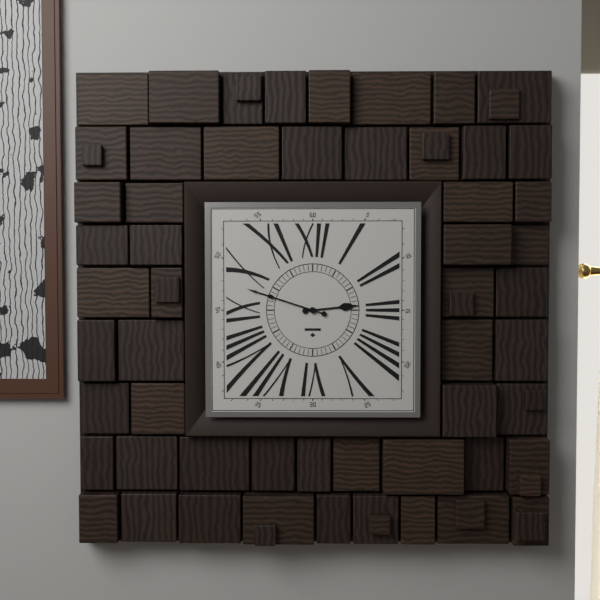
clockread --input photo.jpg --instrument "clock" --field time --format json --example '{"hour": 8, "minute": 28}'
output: {"hour": 2, "minute": 48}
